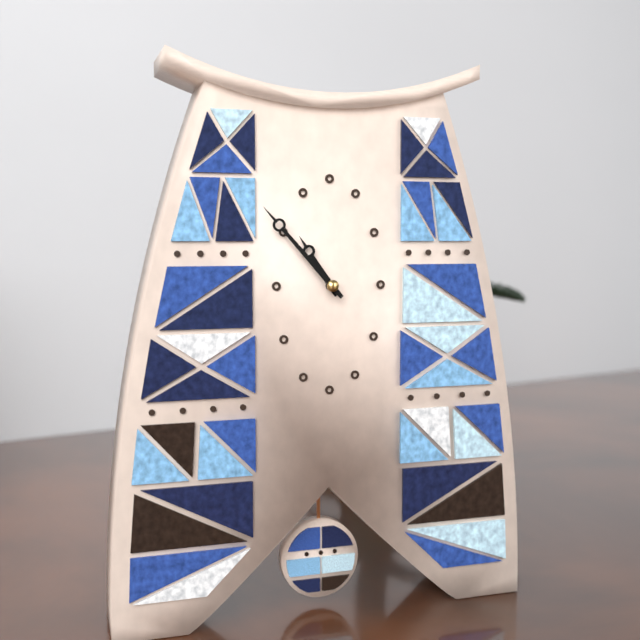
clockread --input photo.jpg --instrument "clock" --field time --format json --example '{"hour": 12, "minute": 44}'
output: {"hour": 10, "minute": 53}
